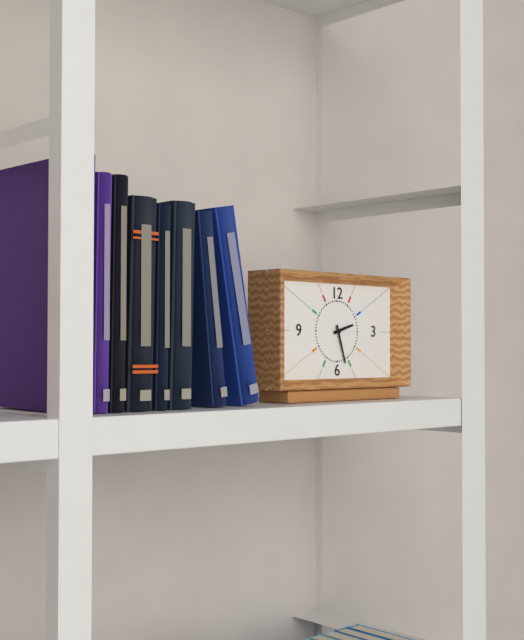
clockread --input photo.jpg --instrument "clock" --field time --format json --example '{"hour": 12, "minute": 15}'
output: {"hour": 2, "minute": 27}
